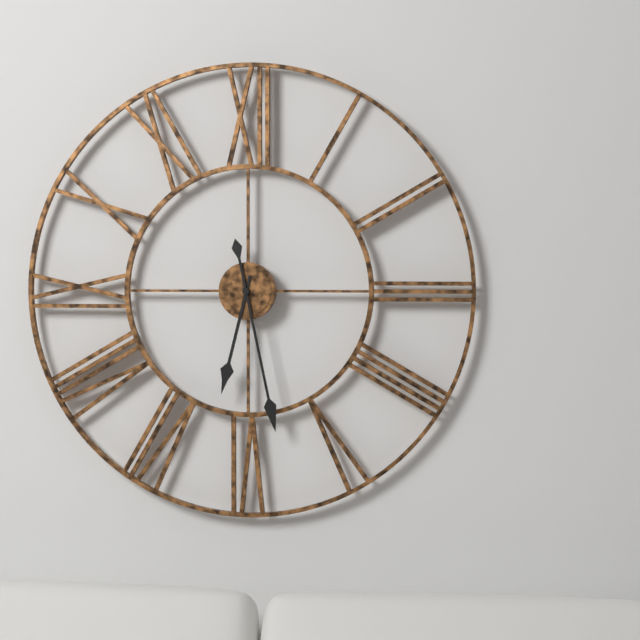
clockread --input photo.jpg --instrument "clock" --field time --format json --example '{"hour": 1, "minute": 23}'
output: {"hour": 6, "minute": 28}
